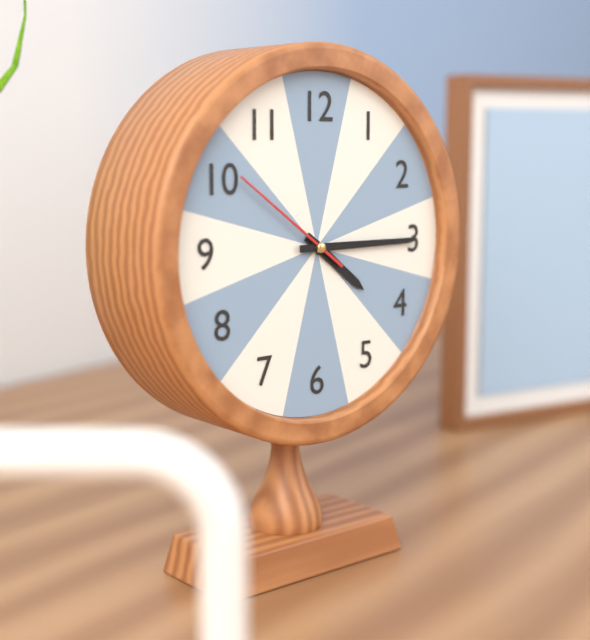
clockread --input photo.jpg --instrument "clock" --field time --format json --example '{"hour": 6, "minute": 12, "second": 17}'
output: {"hour": 4, "minute": 15, "second": 51}
